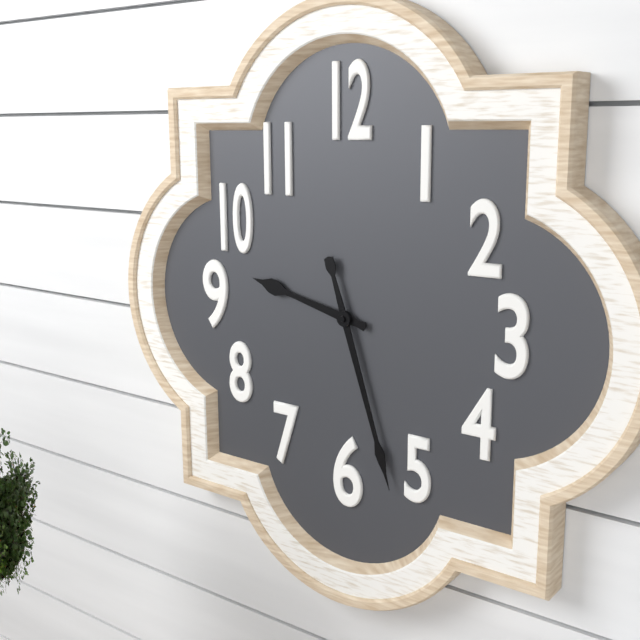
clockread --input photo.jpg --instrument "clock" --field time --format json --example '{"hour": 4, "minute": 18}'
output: {"hour": 9, "minute": 27}
